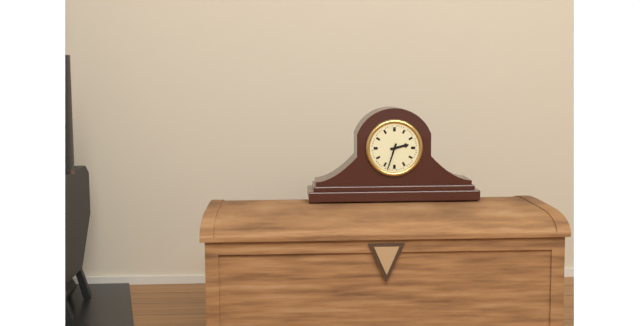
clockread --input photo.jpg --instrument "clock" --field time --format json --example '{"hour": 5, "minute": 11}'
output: {"hour": 2, "minute": 33}
